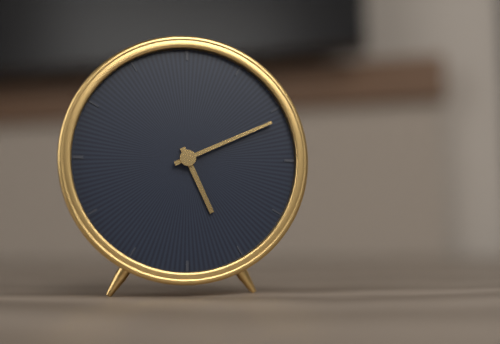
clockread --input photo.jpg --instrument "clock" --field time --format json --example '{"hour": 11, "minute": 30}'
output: {"hour": 5, "minute": 11}
